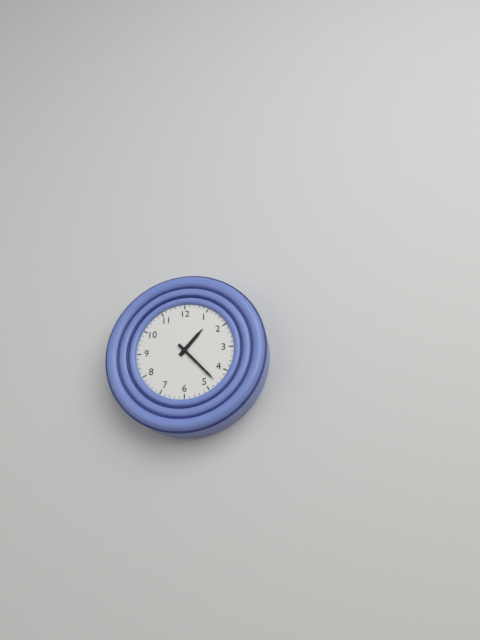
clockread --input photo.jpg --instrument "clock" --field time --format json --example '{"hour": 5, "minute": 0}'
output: {"hour": 1, "minute": 23}
